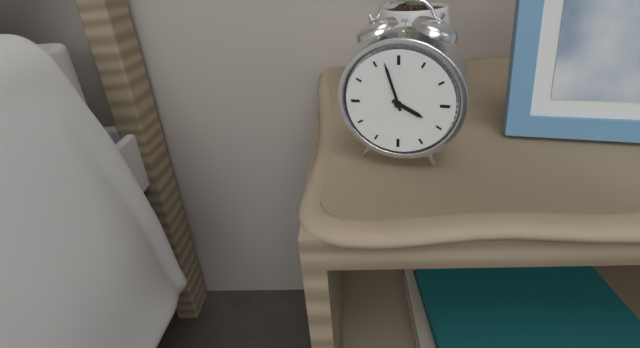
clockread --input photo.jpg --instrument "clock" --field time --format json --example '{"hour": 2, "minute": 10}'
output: {"hour": 3, "minute": 57}
